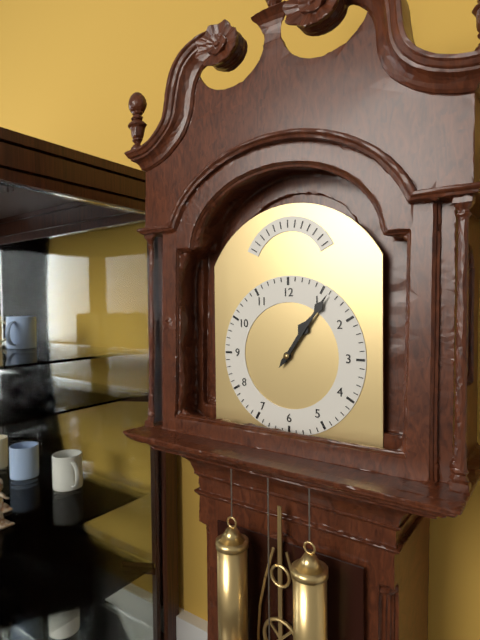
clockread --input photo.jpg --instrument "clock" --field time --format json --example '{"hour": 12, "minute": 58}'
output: {"hour": 1, "minute": 6}
